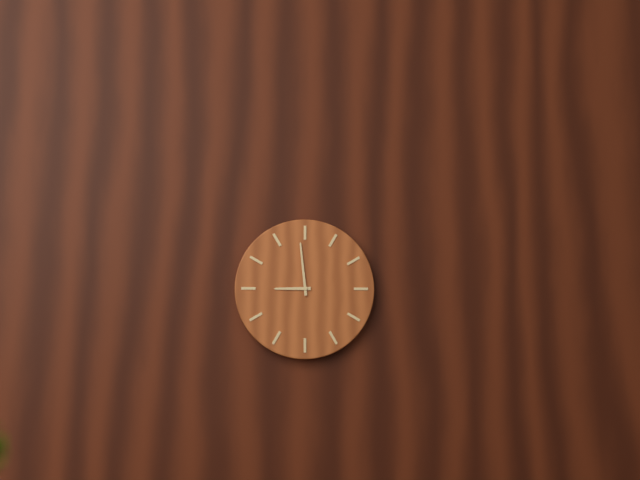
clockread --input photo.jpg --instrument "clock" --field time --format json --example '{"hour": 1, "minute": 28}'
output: {"hour": 8, "minute": 59}
